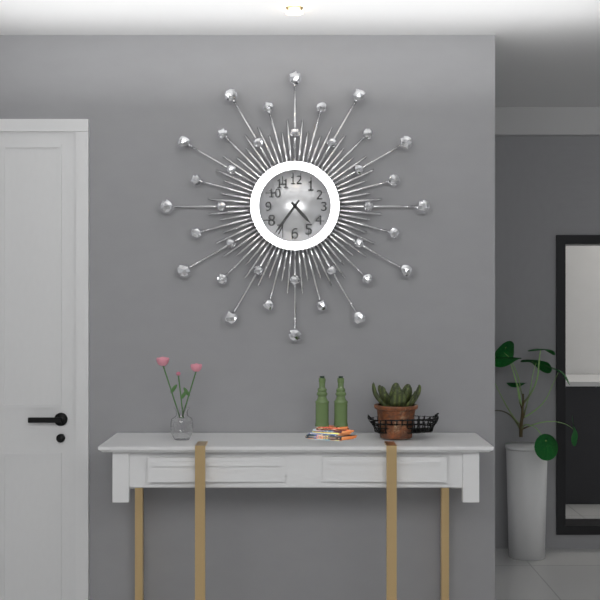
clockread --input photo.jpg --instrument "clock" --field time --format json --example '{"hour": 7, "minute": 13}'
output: {"hour": 4, "minute": 36}
